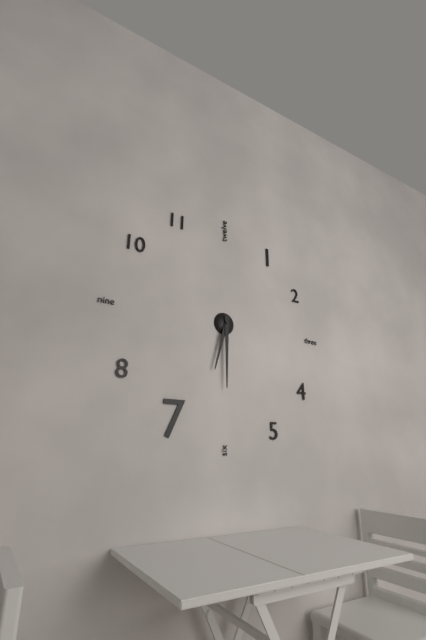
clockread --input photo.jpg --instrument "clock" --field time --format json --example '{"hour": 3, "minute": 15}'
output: {"hour": 6, "minute": 30}
